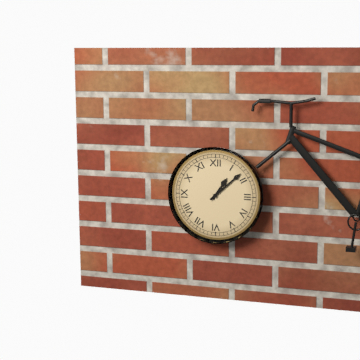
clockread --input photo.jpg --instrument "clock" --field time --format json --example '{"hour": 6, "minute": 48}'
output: {"hour": 1, "minute": 8}
